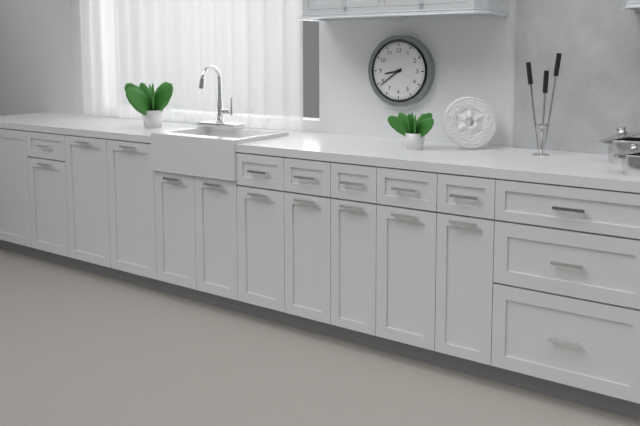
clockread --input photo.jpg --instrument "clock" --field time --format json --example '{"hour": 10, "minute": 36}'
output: {"hour": 8, "minute": 39}
